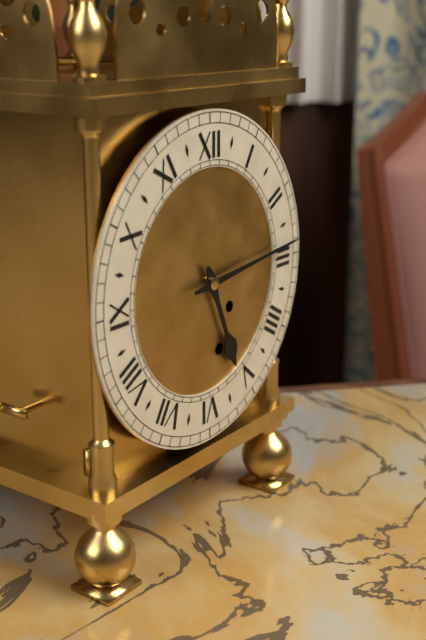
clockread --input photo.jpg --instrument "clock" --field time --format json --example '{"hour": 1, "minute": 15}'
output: {"hour": 5, "minute": 14}
